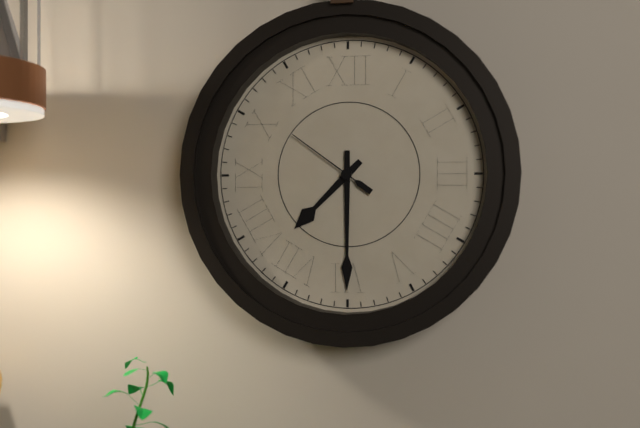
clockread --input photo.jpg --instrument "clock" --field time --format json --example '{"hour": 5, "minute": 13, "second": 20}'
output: {"hour": 7, "minute": 30, "second": 51}
